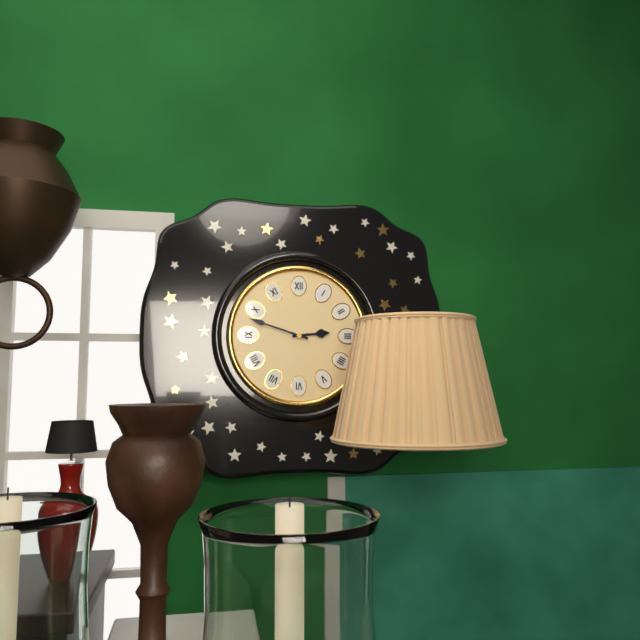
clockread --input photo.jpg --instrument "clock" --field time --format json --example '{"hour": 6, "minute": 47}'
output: {"hour": 2, "minute": 48}
